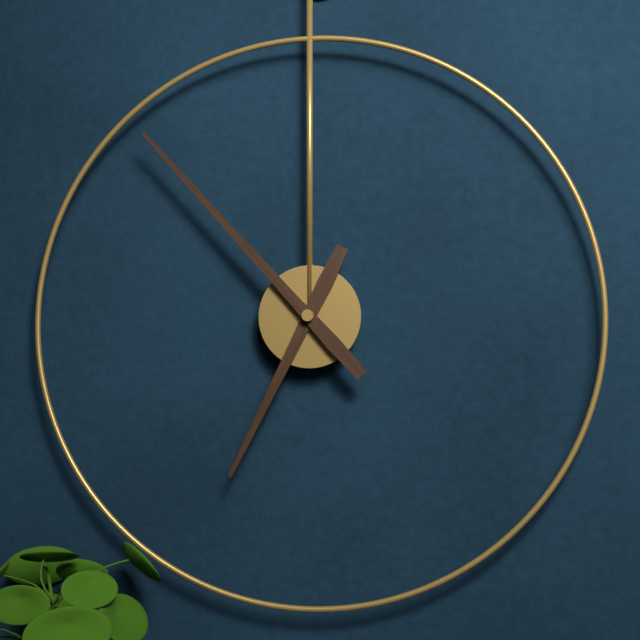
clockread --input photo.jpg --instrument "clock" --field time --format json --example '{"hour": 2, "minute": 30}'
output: {"hour": 6, "minute": 53}
